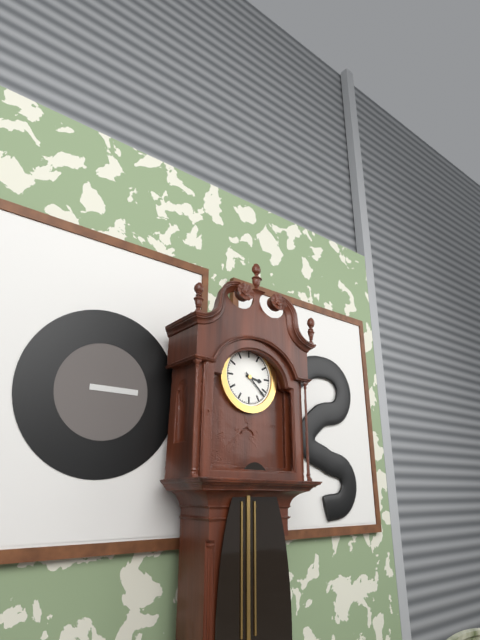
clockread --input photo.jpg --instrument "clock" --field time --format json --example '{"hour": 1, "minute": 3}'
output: {"hour": 3, "minute": 22}
